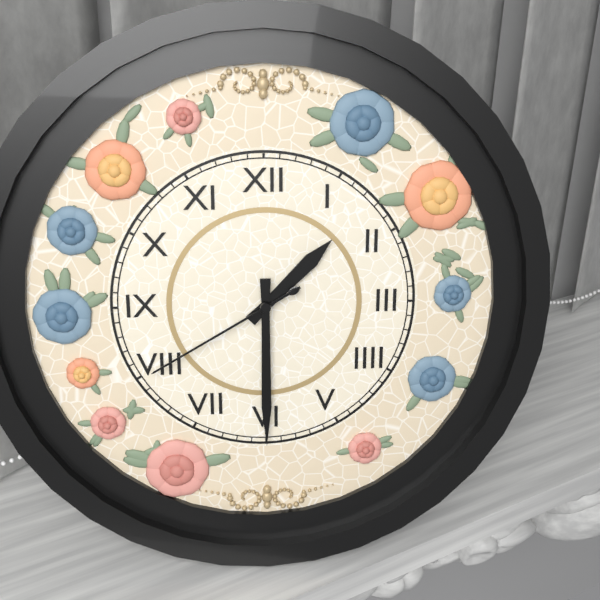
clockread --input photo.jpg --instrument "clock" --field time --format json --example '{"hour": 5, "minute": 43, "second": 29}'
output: {"hour": 1, "minute": 30, "second": 40}
